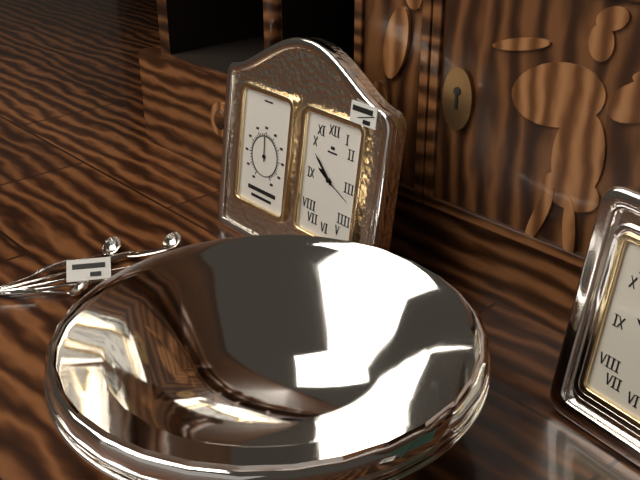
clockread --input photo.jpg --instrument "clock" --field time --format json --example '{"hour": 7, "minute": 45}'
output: {"hour": 9, "minute": 52}
